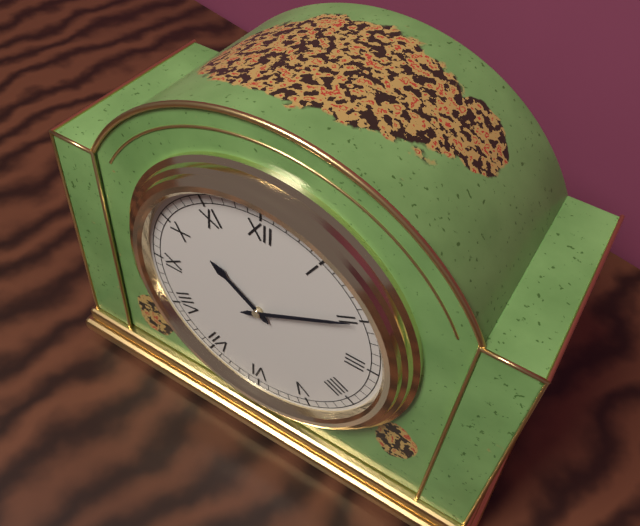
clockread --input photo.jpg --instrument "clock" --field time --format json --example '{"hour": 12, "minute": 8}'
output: {"hour": 10, "minute": 10}
